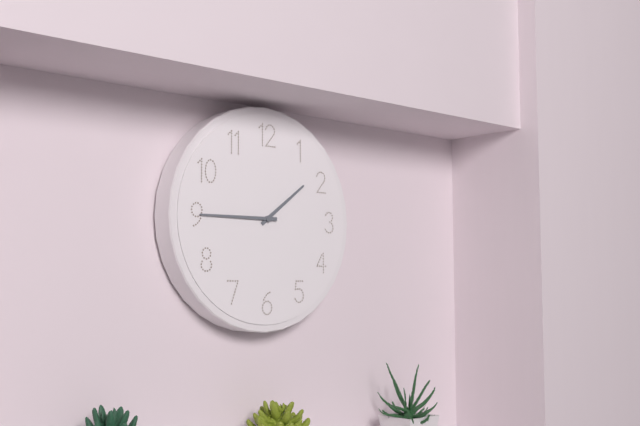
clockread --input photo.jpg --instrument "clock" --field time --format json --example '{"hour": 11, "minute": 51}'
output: {"hour": 1, "minute": 45}
